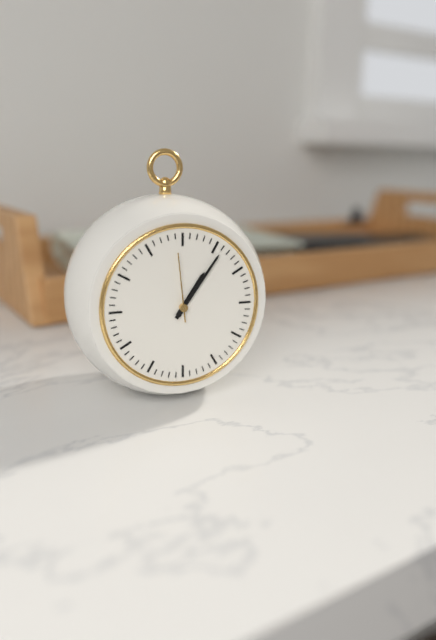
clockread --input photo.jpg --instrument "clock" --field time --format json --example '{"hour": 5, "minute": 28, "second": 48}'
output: {"hour": 1, "minute": 6, "second": 59}
